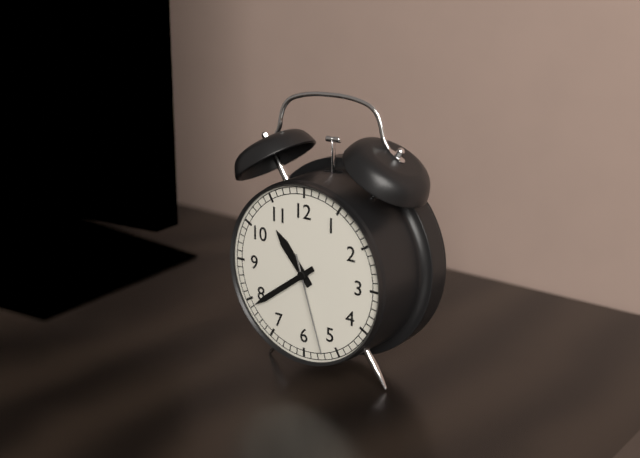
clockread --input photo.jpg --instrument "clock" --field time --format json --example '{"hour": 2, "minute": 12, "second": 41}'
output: {"hour": 10, "minute": 39, "second": 27}
